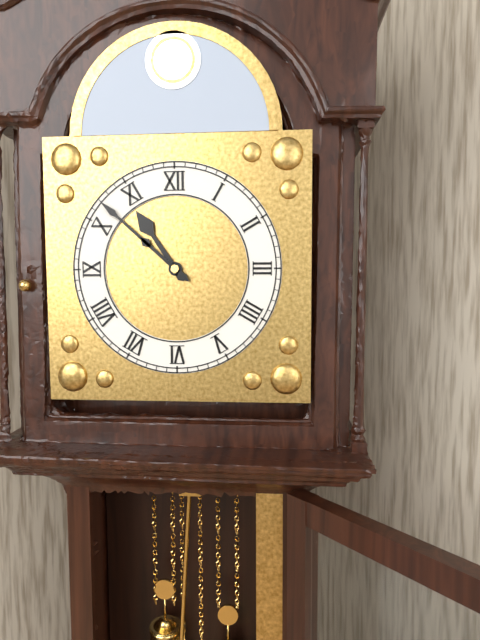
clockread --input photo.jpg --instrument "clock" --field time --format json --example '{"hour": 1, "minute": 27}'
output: {"hour": 10, "minute": 52}
